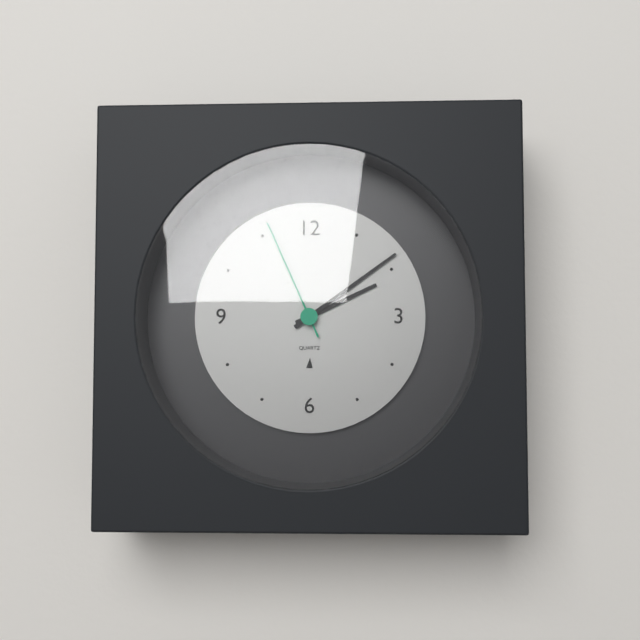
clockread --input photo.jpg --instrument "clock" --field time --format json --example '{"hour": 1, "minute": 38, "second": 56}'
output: {"hour": 2, "minute": 9, "second": 56}
